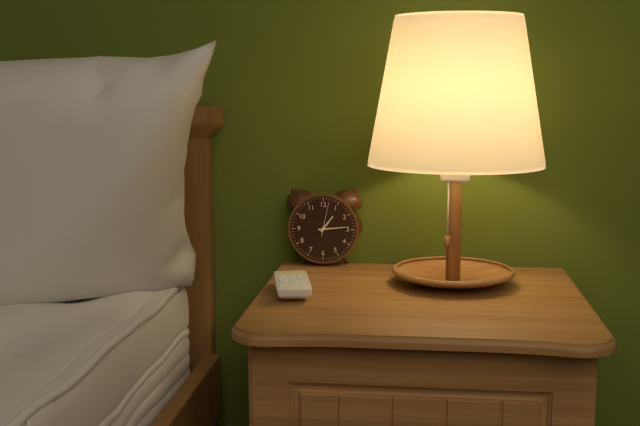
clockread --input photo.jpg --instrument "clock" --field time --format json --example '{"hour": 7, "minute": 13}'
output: {"hour": 1, "minute": 14}
